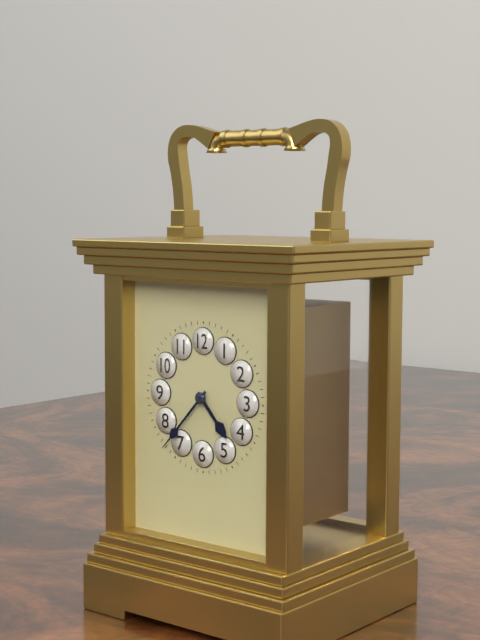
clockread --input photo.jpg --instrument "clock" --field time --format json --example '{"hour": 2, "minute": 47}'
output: {"hour": 4, "minute": 37}
